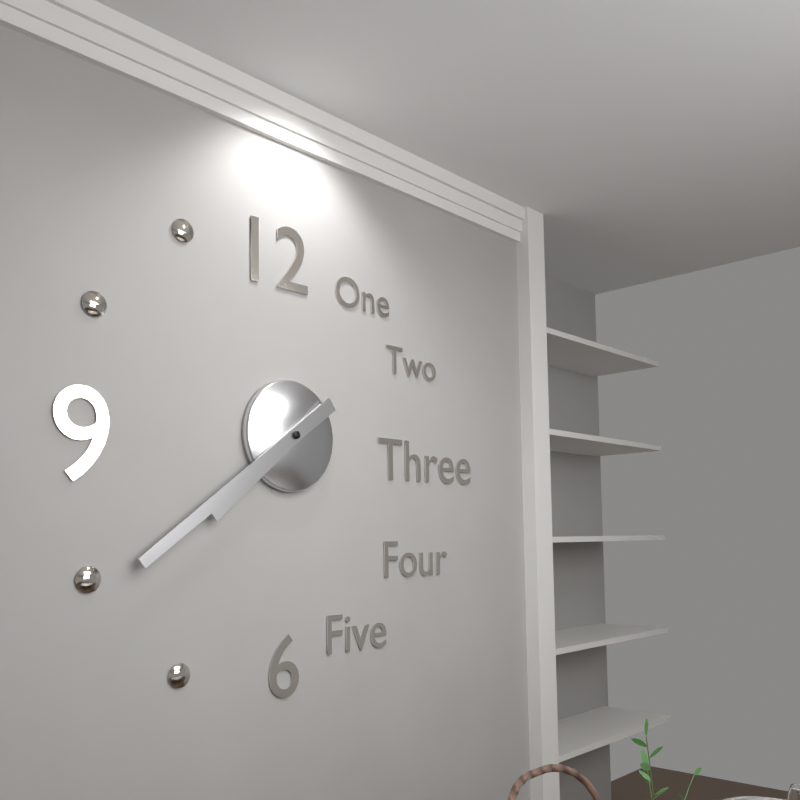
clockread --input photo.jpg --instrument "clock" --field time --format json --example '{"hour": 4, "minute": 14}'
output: {"hour": 7, "minute": 39}
